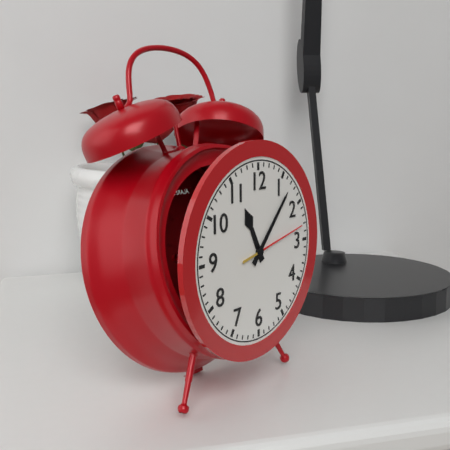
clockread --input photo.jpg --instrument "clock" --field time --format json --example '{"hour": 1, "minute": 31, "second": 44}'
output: {"hour": 11, "minute": 7, "second": 13}
